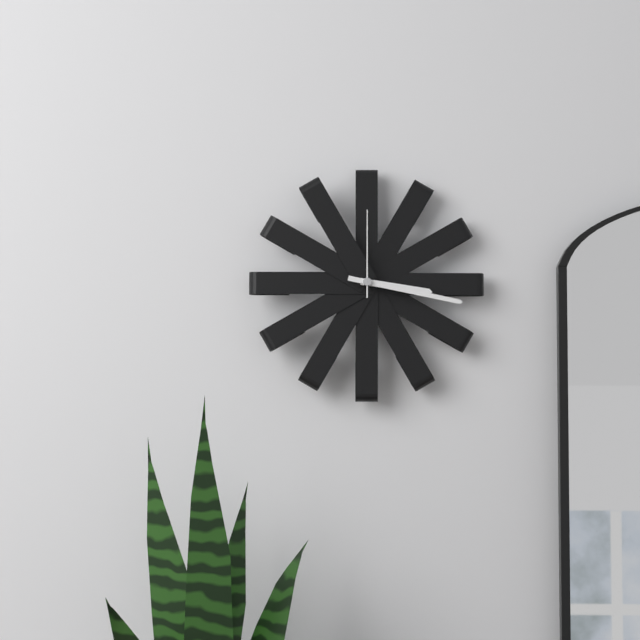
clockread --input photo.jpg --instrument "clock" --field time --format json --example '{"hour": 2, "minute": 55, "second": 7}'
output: {"hour": 3, "minute": 17, "second": 0}
